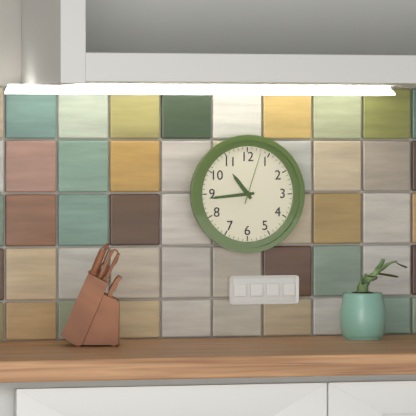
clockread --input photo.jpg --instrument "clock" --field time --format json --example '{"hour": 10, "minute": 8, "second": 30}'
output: {"hour": 10, "minute": 44, "second": 3}
